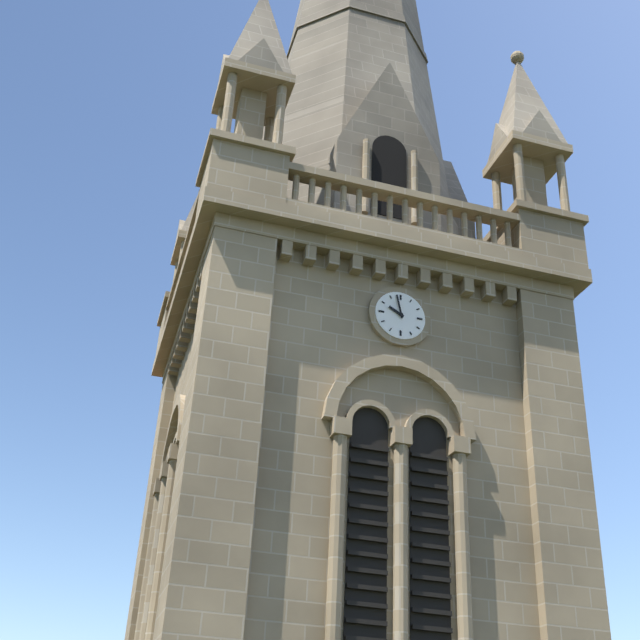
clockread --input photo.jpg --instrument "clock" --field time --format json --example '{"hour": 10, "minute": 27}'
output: {"hour": 9, "minute": 58}
